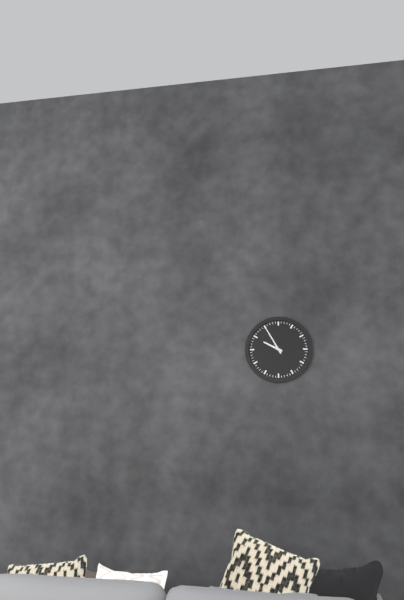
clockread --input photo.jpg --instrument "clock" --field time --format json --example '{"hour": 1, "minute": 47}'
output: {"hour": 9, "minute": 55}
